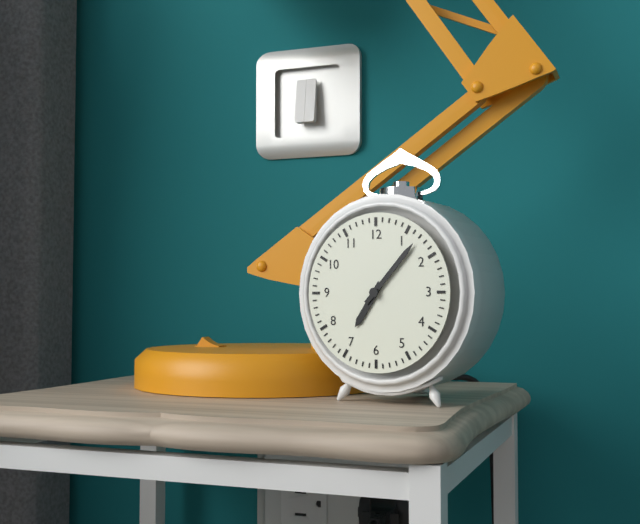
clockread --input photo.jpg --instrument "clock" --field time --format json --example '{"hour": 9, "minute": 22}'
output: {"hour": 7, "minute": 7}
